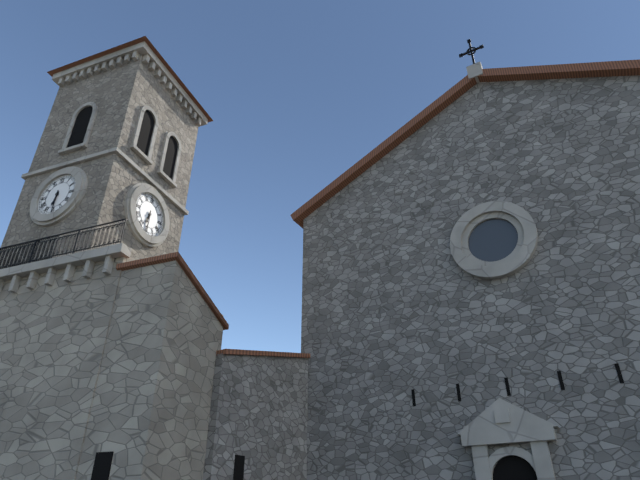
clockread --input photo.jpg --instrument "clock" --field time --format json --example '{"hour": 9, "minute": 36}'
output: {"hour": 6, "minute": 30}
